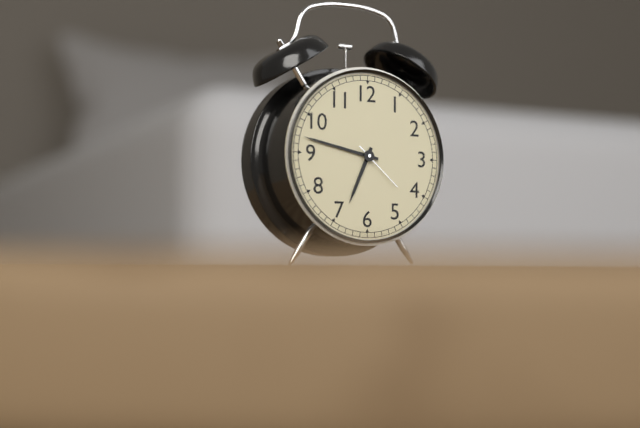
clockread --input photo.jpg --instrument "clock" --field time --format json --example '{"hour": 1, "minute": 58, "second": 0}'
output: {"hour": 6, "minute": 47, "second": 22}
